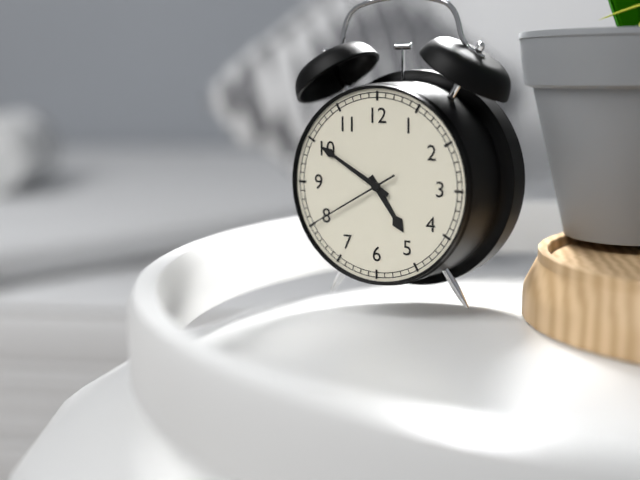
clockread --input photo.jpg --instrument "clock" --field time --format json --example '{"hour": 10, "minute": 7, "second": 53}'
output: {"hour": 4, "minute": 50, "second": 40}
